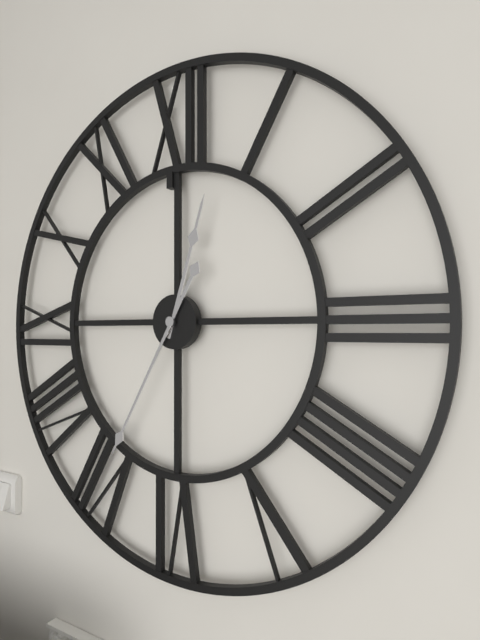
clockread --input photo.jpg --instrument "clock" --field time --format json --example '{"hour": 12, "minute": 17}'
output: {"hour": 12, "minute": 35}
